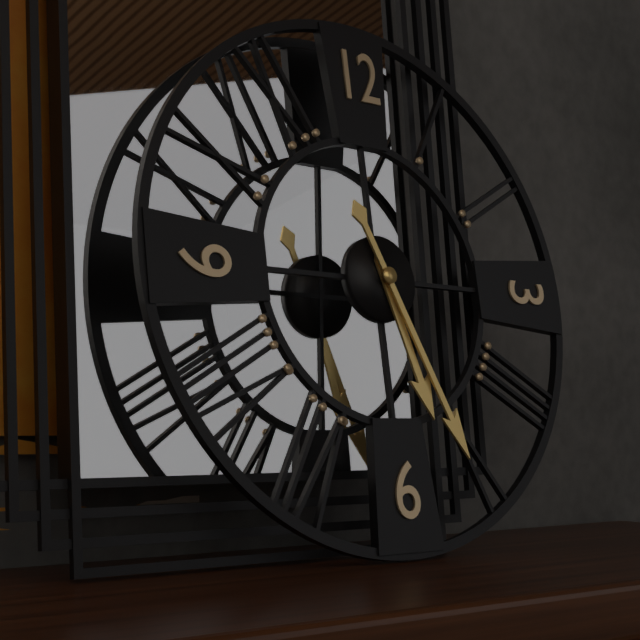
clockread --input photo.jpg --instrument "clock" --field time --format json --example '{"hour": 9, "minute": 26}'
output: {"hour": 5, "minute": 26}
